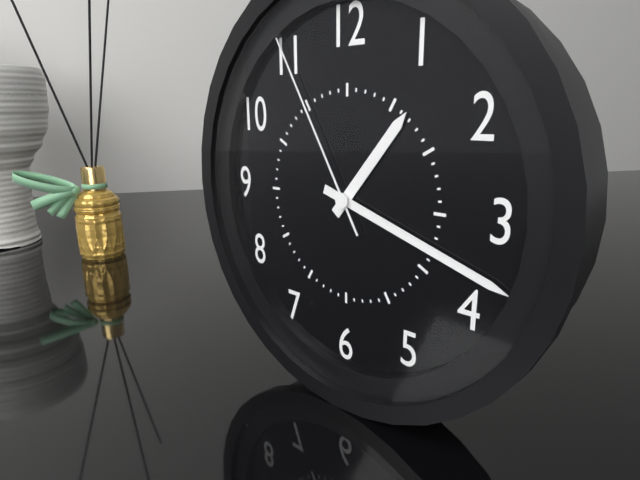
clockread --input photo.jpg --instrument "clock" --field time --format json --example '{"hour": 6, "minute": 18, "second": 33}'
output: {"hour": 1, "minute": 18, "second": 55}
